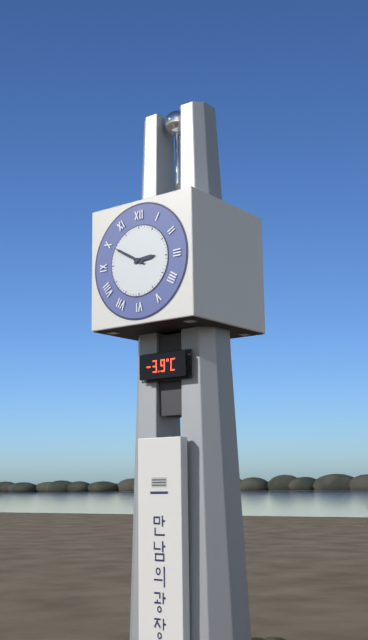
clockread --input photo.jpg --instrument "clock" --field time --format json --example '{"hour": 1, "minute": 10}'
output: {"hour": 2, "minute": 50}
